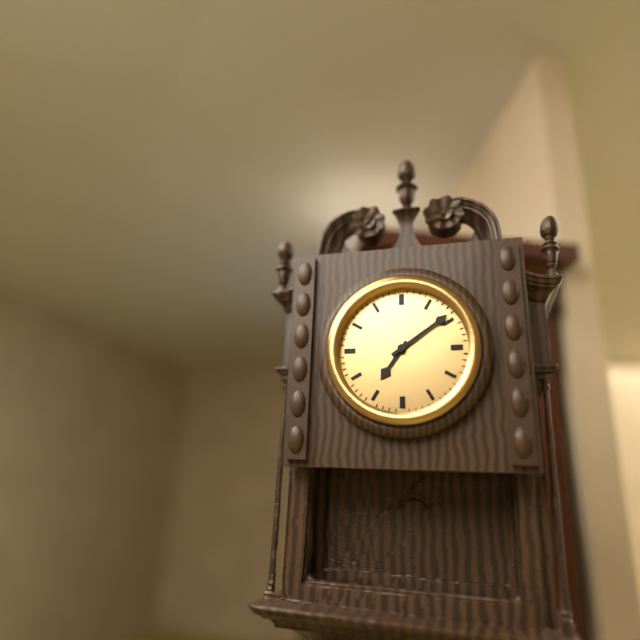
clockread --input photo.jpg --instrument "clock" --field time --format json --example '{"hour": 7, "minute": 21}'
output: {"hour": 7, "minute": 9}
